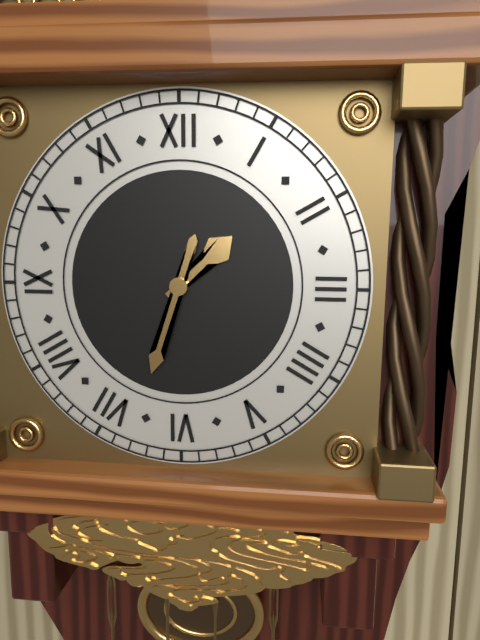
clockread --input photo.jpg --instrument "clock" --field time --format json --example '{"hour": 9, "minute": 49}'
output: {"hour": 1, "minute": 33}
